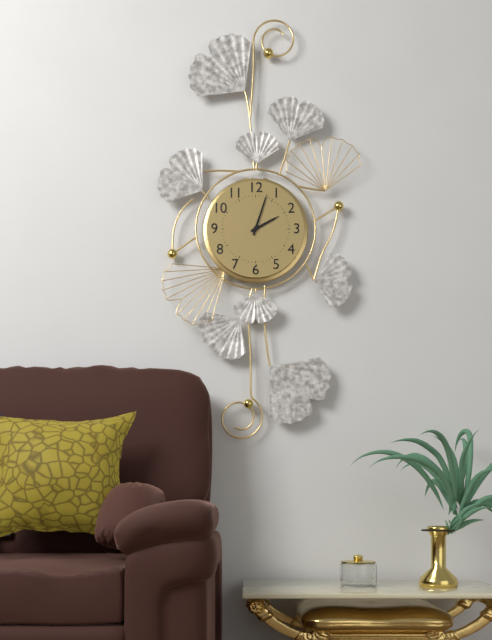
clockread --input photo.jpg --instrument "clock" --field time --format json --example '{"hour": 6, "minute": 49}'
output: {"hour": 2, "minute": 3}
